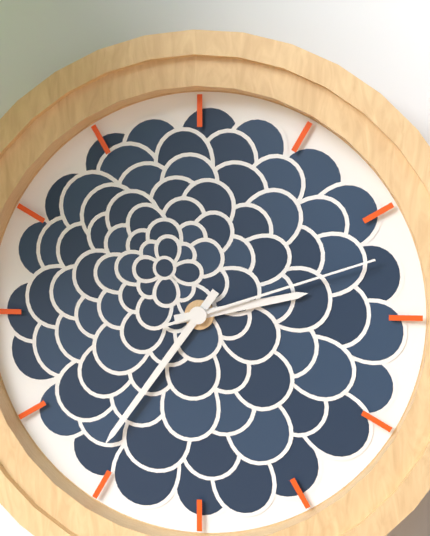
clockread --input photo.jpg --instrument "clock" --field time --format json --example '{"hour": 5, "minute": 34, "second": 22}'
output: {"hour": 2, "minute": 36, "second": 12}
